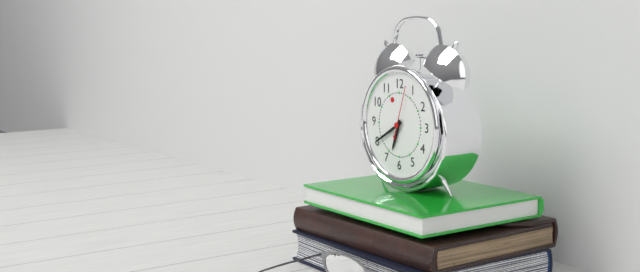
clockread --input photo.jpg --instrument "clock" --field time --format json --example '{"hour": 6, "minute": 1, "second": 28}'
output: {"hour": 6, "minute": 40, "second": 3}
